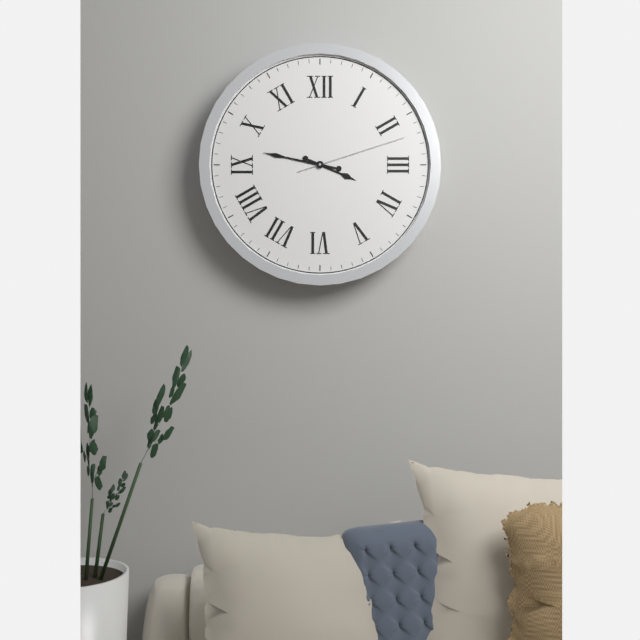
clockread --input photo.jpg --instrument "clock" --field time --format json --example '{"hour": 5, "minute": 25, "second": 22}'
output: {"hour": 3, "minute": 47, "second": 12}
